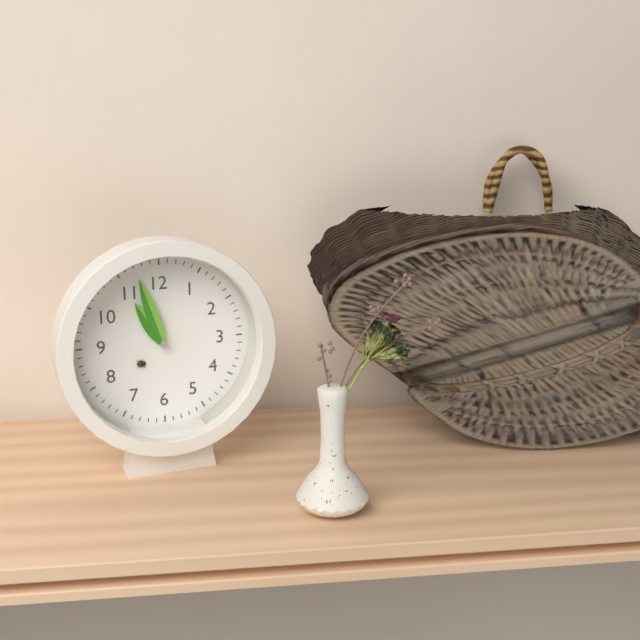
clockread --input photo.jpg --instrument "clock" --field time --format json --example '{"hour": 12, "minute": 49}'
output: {"hour": 10, "minute": 57}
